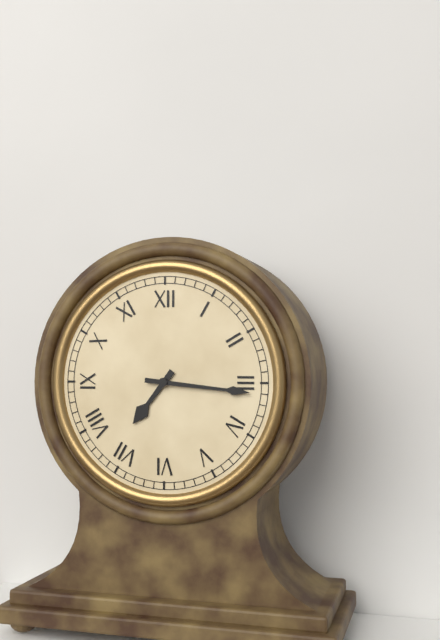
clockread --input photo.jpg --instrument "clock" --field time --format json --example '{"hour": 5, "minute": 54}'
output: {"hour": 7, "minute": 16}
